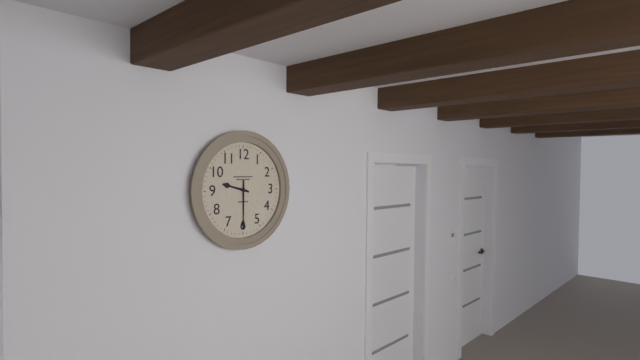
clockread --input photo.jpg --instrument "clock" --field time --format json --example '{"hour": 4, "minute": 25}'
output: {"hour": 9, "minute": 30}
